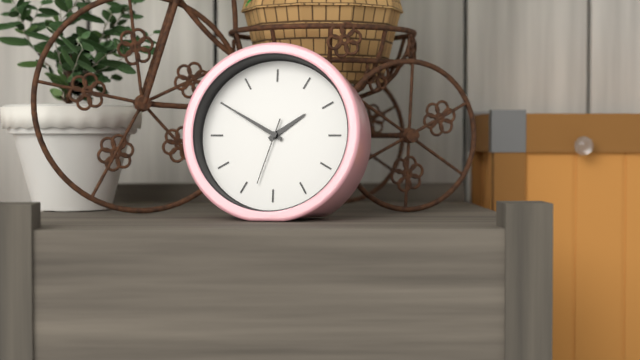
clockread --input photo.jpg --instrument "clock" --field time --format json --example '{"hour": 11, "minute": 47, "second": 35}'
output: {"hour": 1, "minute": 50, "second": 33}
